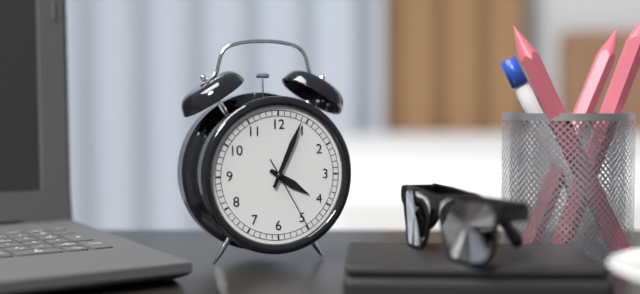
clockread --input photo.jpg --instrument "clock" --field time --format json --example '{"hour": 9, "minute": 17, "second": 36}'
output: {"hour": 4, "minute": 4, "second": 25}
